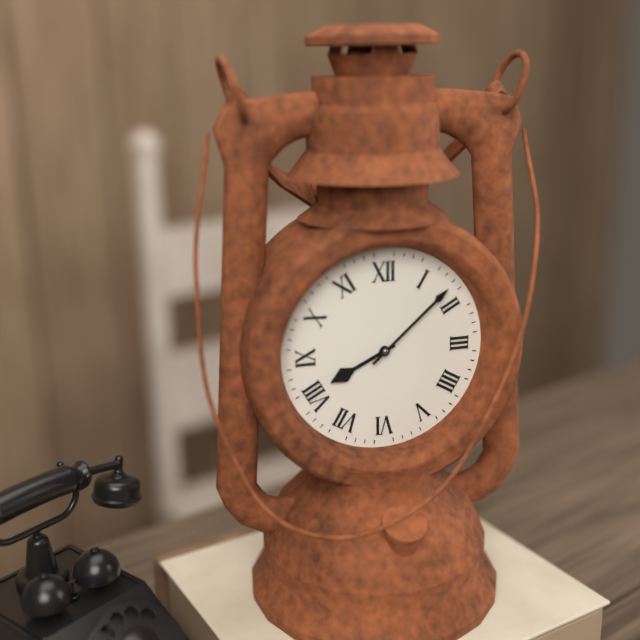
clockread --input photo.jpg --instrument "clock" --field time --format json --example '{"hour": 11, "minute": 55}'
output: {"hour": 8, "minute": 8}
